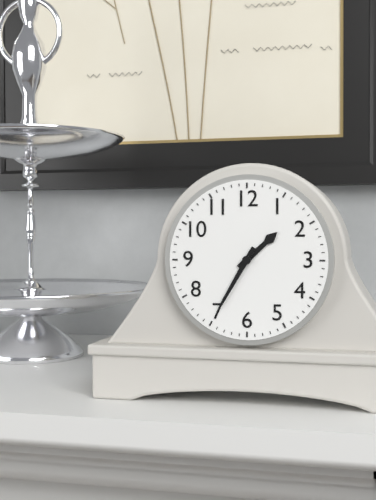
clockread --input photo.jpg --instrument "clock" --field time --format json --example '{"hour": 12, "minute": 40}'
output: {"hour": 1, "minute": 35}
